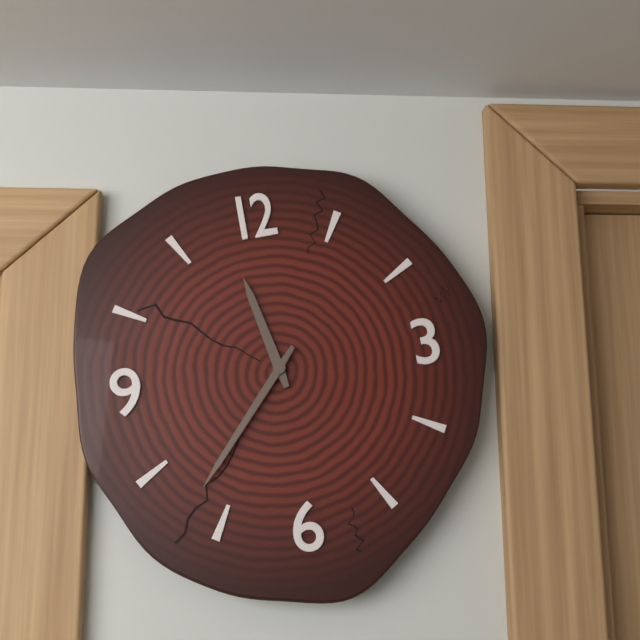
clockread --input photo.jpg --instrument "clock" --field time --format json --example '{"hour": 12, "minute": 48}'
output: {"hour": 11, "minute": 37}
